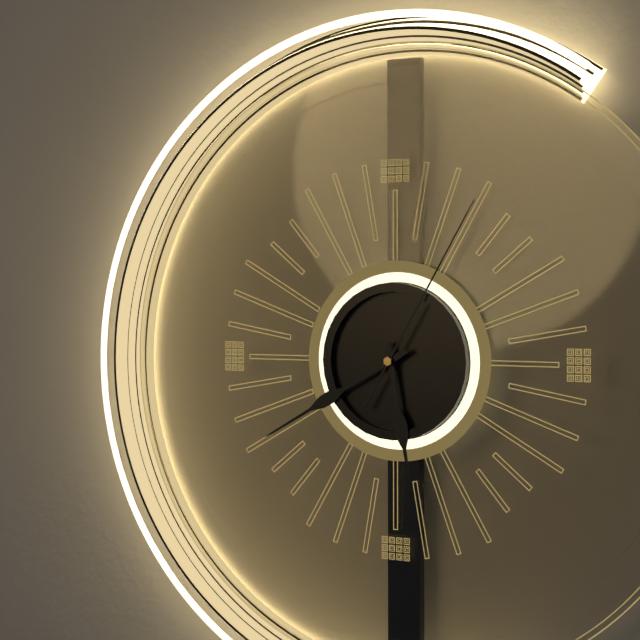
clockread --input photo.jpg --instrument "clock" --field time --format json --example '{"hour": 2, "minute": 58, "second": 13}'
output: {"hour": 5, "minute": 40, "second": 5}
